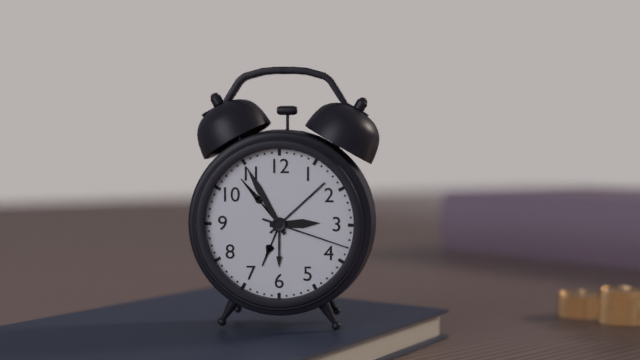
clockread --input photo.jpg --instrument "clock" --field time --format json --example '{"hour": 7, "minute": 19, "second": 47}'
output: {"hour": 2, "minute": 55, "second": 18}
